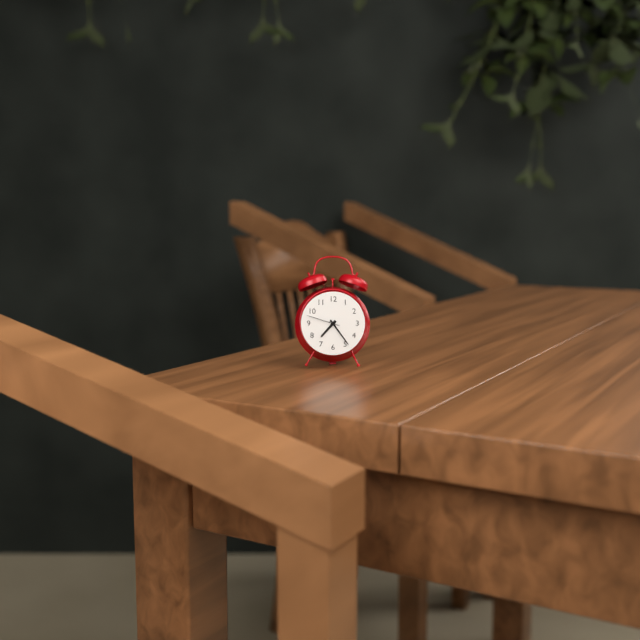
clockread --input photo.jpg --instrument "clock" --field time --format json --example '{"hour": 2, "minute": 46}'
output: {"hour": 7, "minute": 24}
